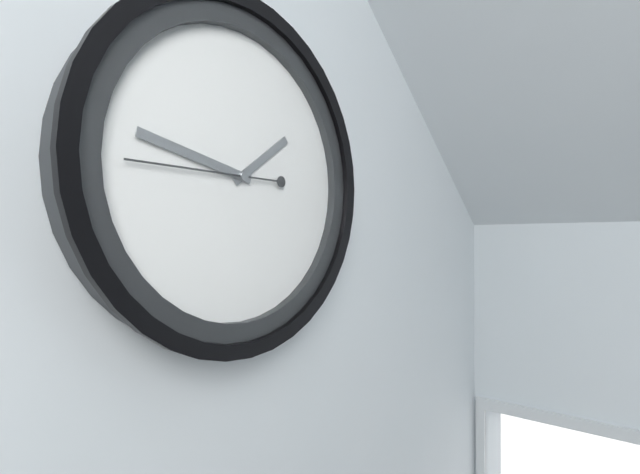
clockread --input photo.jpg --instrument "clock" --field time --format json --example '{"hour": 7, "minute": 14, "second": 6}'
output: {"hour": 1, "minute": 47, "second": 45}
